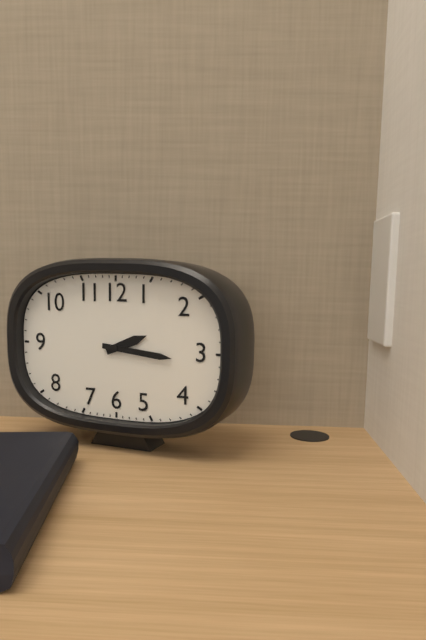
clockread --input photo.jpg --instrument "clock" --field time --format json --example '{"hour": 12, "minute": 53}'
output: {"hour": 2, "minute": 16}
